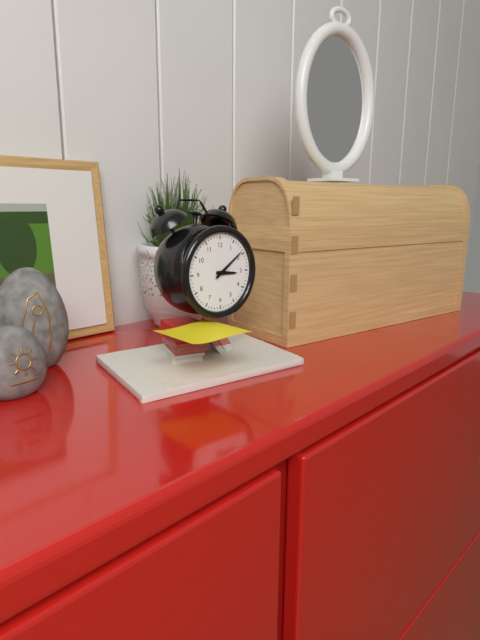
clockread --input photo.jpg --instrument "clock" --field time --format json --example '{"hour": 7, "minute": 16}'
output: {"hour": 3, "minute": 9}
